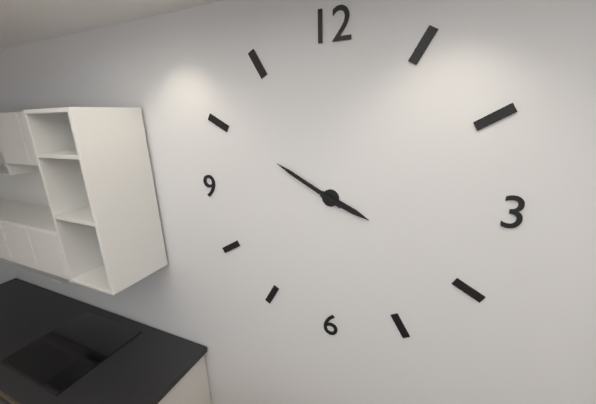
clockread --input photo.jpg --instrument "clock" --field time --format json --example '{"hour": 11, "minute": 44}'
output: {"hour": 3, "minute": 50}
